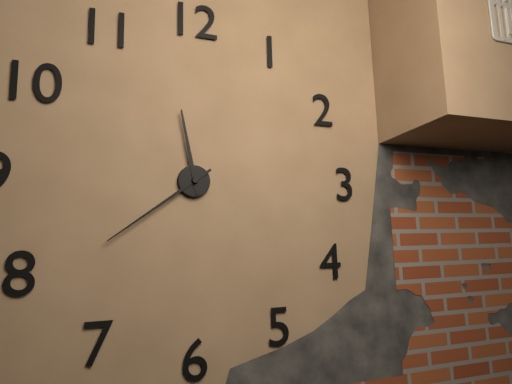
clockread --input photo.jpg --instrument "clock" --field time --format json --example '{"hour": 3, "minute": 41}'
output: {"hour": 11, "minute": 39}
